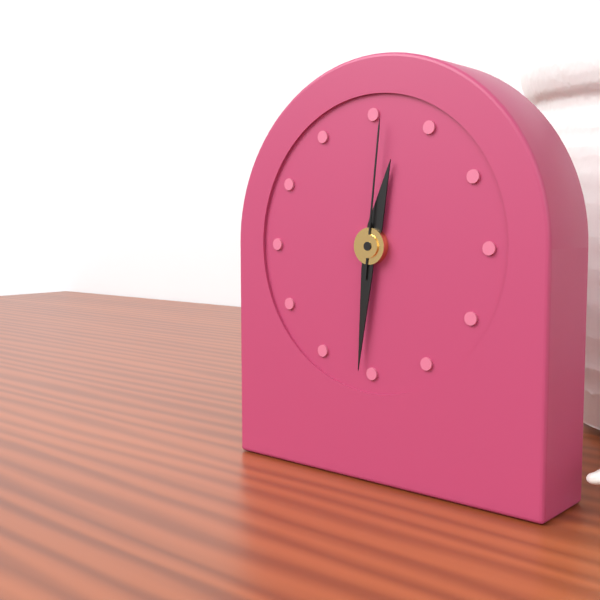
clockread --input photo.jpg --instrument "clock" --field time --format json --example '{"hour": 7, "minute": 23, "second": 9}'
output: {"hour": 12, "minute": 31, "second": 1}
